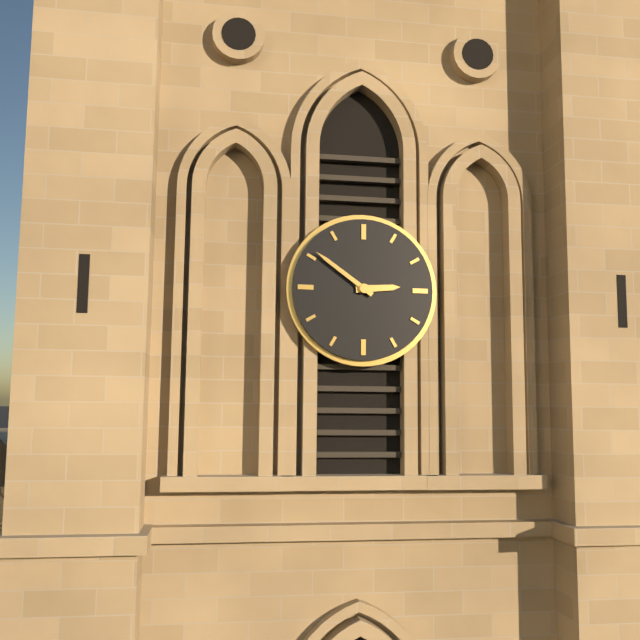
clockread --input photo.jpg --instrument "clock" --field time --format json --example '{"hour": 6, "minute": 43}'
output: {"hour": 2, "minute": 51}
